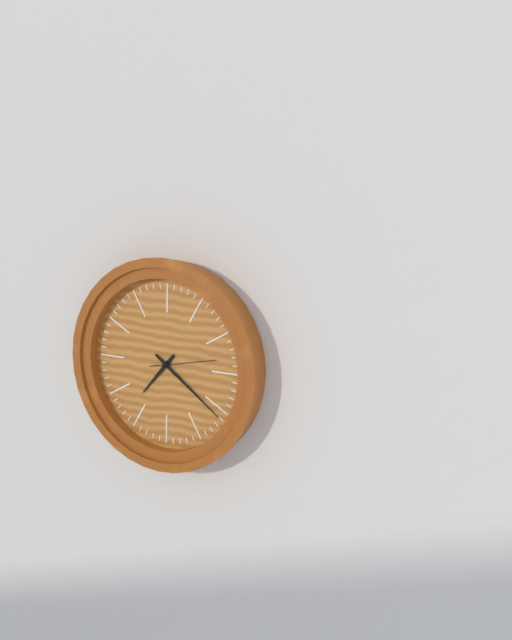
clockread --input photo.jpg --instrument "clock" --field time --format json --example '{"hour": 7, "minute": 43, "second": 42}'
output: {"hour": 7, "minute": 21, "second": 13}
